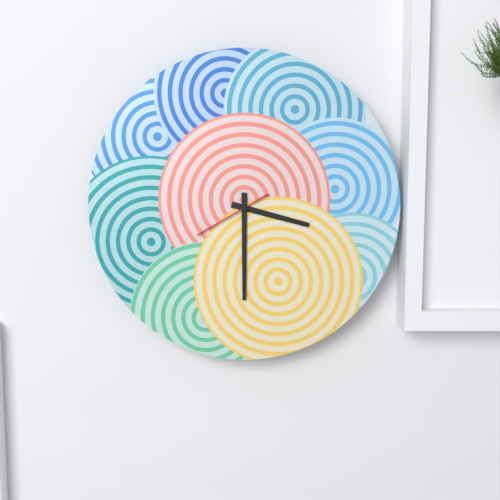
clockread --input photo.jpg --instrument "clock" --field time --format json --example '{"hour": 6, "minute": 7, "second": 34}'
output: {"hour": 3, "minute": 30, "second": 40}
